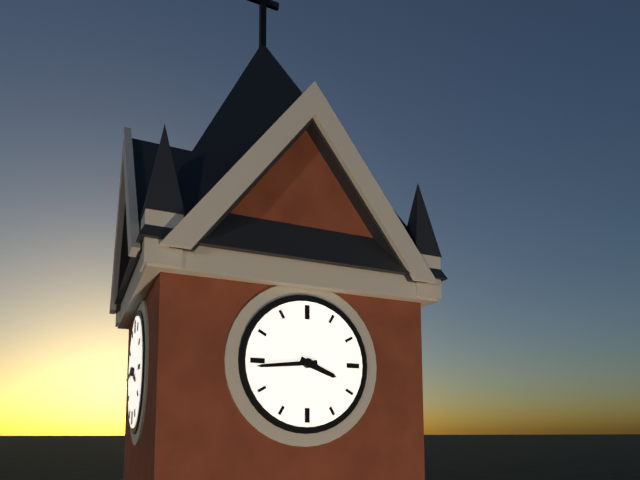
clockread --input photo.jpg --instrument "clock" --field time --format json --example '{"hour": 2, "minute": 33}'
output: {"hour": 3, "minute": 44}
